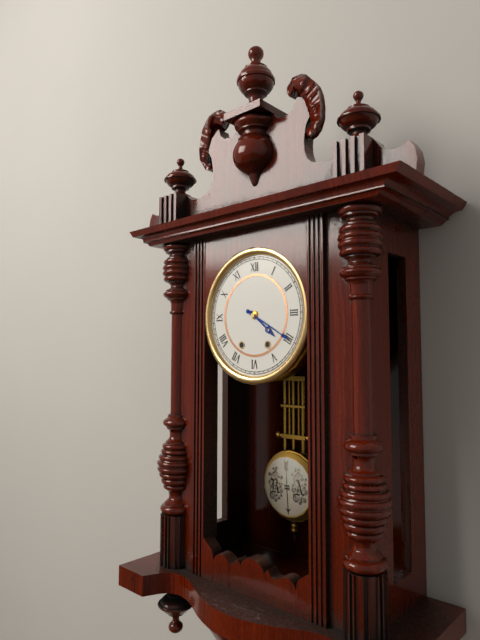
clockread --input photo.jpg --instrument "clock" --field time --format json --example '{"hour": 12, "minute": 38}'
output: {"hour": 4, "minute": 20}
